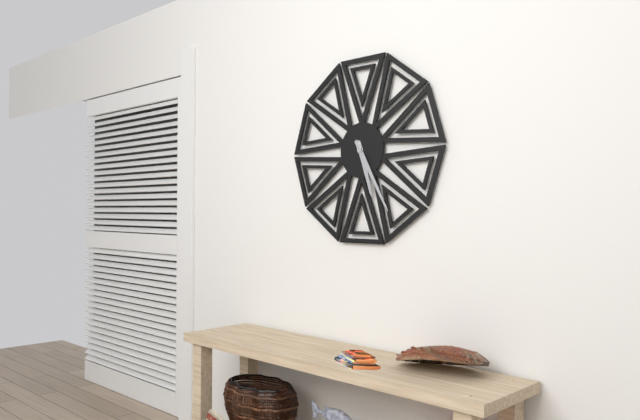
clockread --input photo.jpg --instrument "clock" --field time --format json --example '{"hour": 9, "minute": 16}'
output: {"hour": 5, "minute": 25}
